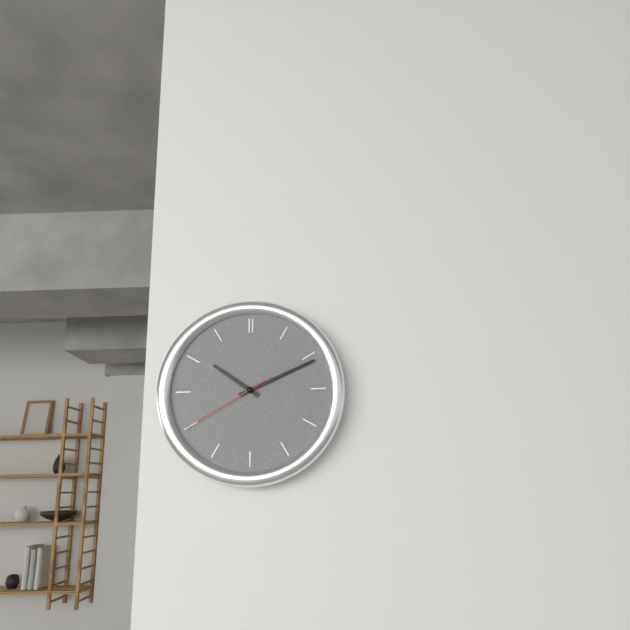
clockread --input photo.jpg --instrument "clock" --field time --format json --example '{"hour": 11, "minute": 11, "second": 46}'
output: {"hour": 10, "minute": 11, "second": 40}
